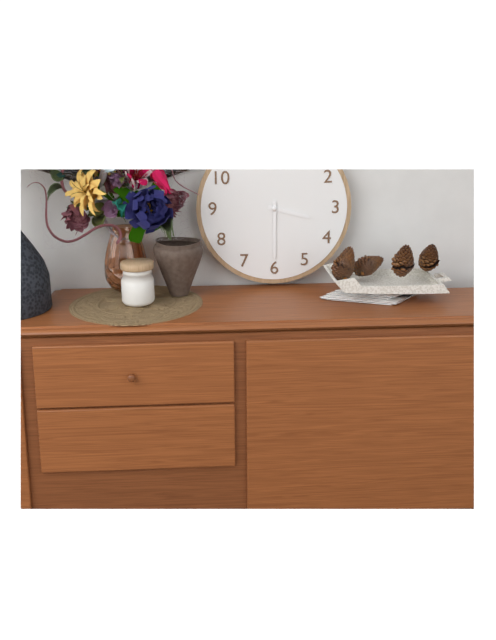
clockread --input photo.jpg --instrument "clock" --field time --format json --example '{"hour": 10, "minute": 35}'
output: {"hour": 3, "minute": 30}
